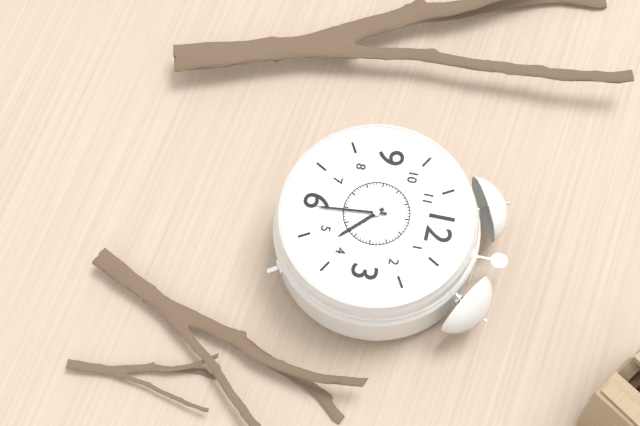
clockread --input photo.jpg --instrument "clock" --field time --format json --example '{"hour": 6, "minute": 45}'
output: {"hour": 4, "minute": 29}
